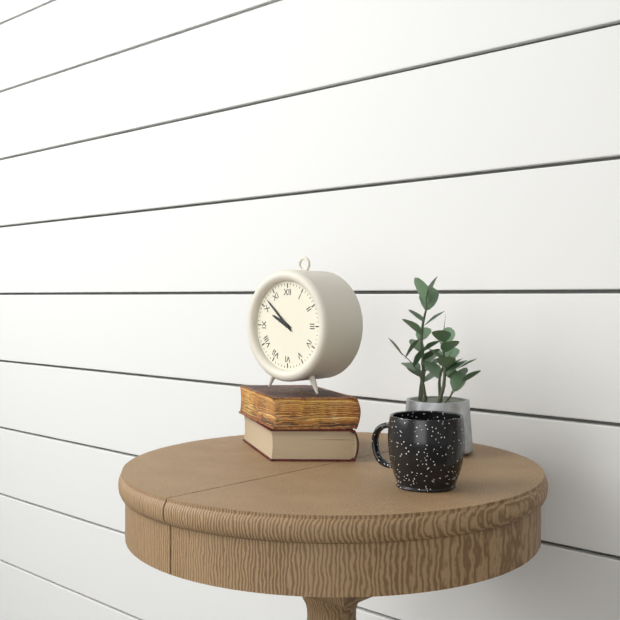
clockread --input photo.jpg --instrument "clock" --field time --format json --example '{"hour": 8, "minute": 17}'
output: {"hour": 9, "minute": 52}
